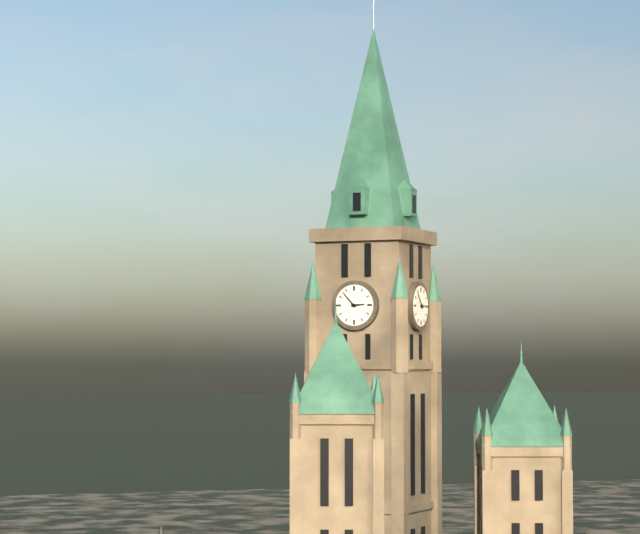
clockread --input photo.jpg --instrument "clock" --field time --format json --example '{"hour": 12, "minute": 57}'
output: {"hour": 2, "minute": 53}
